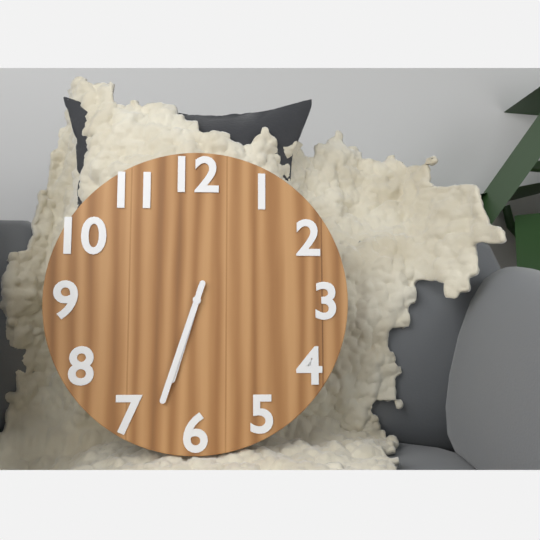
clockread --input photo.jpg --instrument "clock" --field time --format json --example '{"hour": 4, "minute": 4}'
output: {"hour": 6, "minute": 33}
